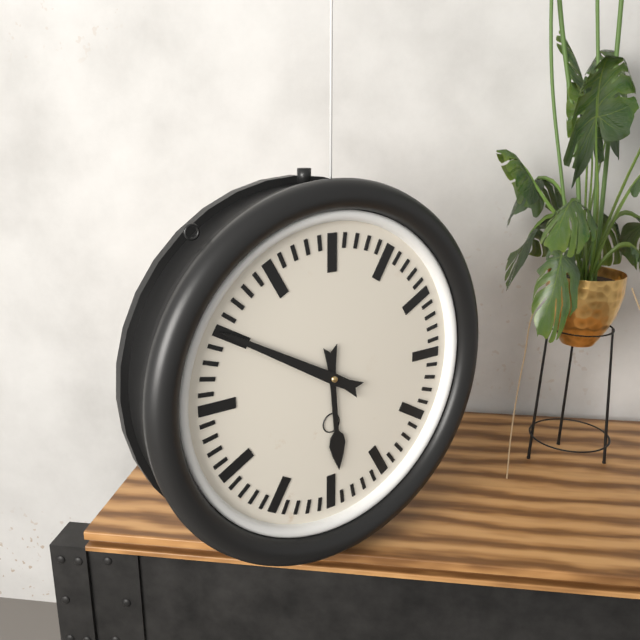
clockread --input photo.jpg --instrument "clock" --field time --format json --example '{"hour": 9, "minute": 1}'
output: {"hour": 5, "minute": 50}
